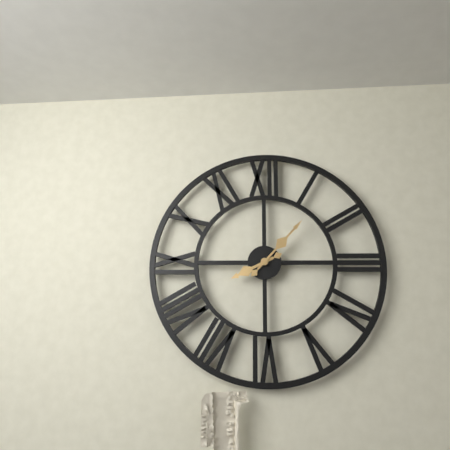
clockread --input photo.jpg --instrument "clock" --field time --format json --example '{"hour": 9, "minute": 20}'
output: {"hour": 8, "minute": 7}
